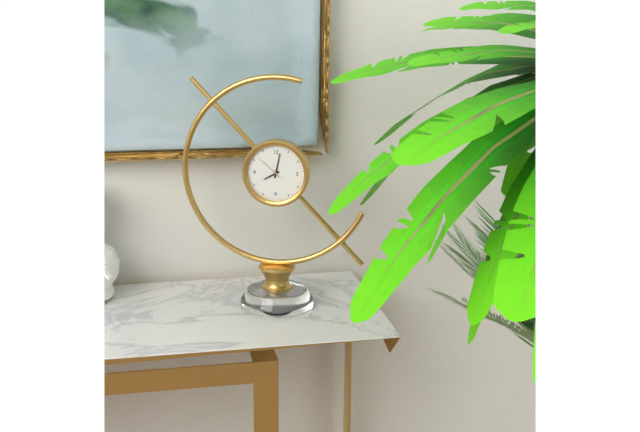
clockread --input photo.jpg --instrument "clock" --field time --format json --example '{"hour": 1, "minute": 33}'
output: {"hour": 8, "minute": 2}
